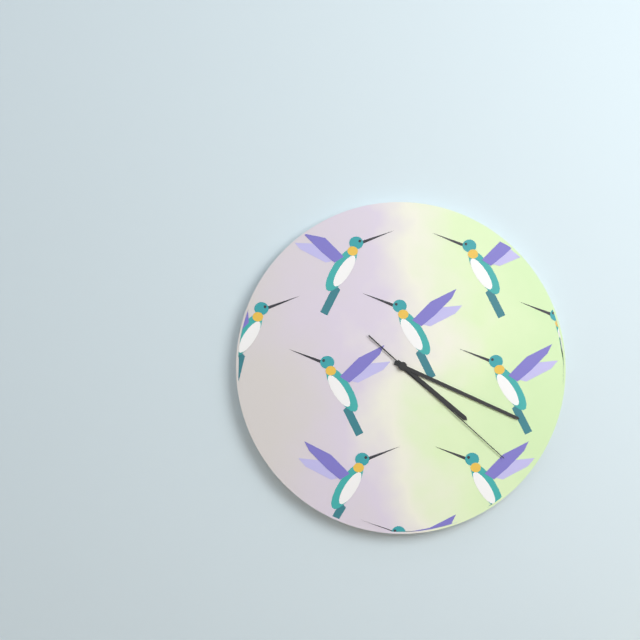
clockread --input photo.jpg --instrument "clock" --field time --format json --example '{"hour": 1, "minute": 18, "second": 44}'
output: {"hour": 4, "minute": 19, "second": 22}
